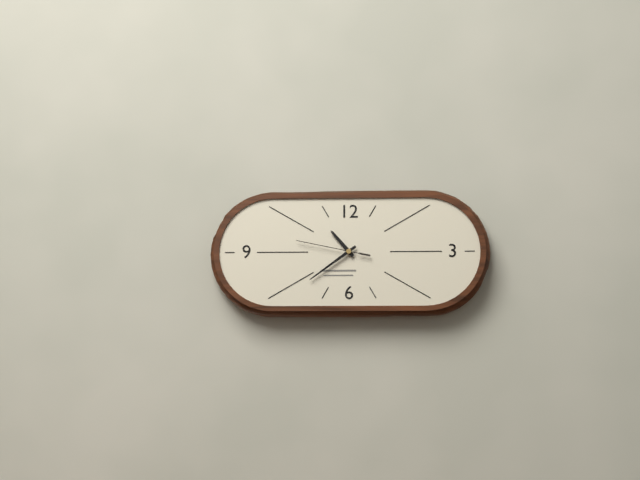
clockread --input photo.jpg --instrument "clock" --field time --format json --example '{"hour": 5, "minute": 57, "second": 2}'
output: {"hour": 10, "minute": 39, "second": 47}
